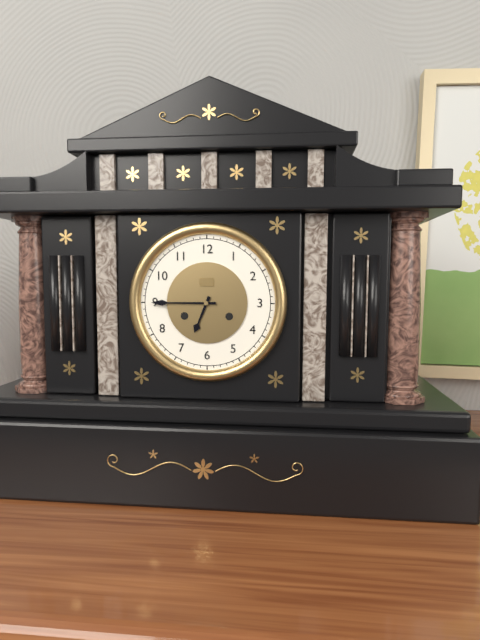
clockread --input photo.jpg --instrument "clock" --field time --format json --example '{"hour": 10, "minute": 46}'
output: {"hour": 6, "minute": 45}
